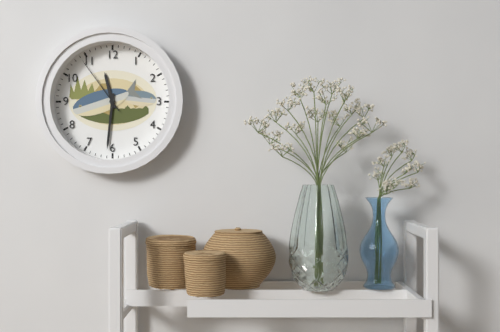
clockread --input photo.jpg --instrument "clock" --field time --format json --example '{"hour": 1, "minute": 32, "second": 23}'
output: {"hour": 11, "minute": 31, "second": 54}
